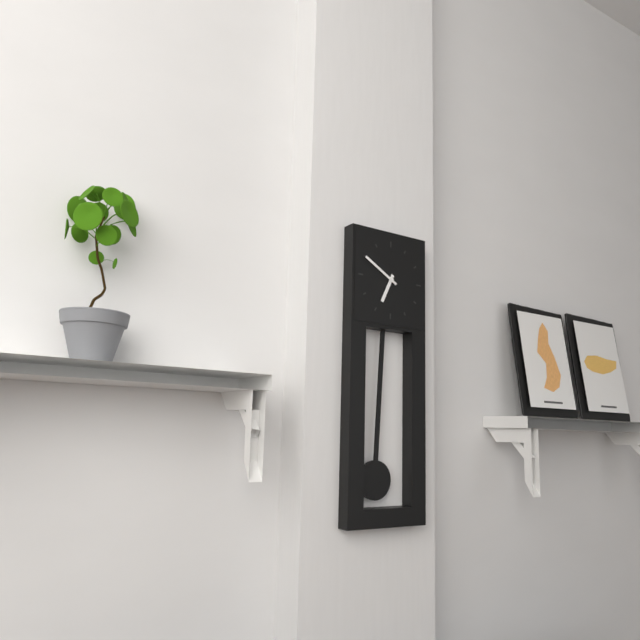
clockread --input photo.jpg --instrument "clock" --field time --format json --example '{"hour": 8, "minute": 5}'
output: {"hour": 6, "minute": 50}
